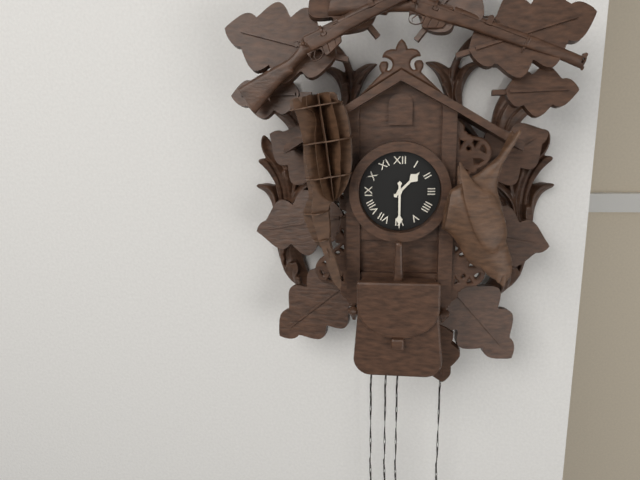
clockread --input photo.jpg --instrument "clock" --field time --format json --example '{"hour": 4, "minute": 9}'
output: {"hour": 1, "minute": 30}
